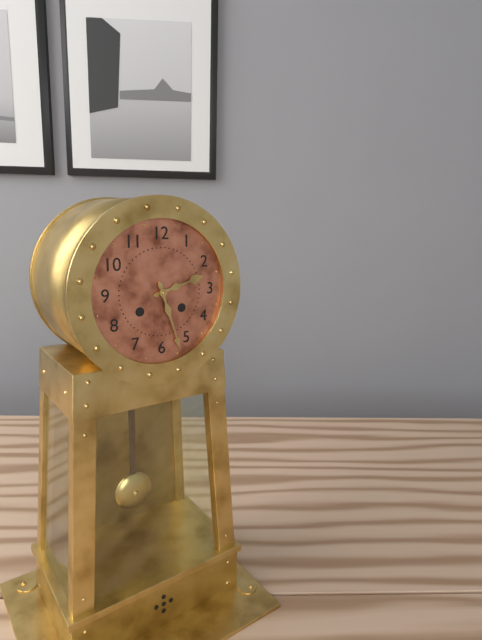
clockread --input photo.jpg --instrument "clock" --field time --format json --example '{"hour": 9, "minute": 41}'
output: {"hour": 2, "minute": 27}
